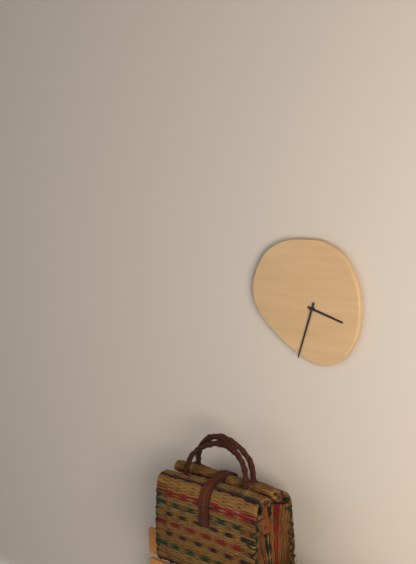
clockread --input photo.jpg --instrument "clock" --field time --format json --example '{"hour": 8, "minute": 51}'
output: {"hour": 3, "minute": 33}
